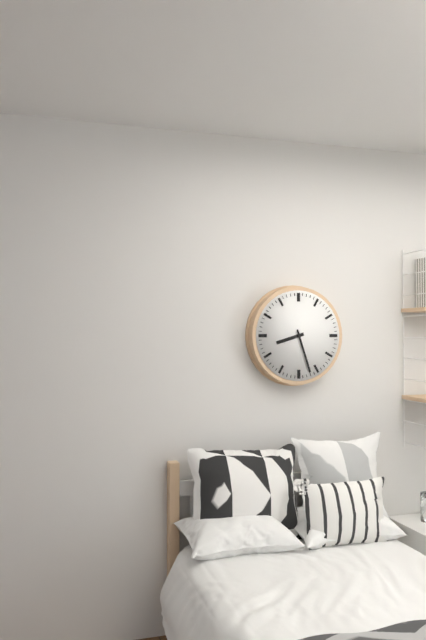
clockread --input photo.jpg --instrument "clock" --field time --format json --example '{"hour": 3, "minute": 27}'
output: {"hour": 8, "minute": 27}
